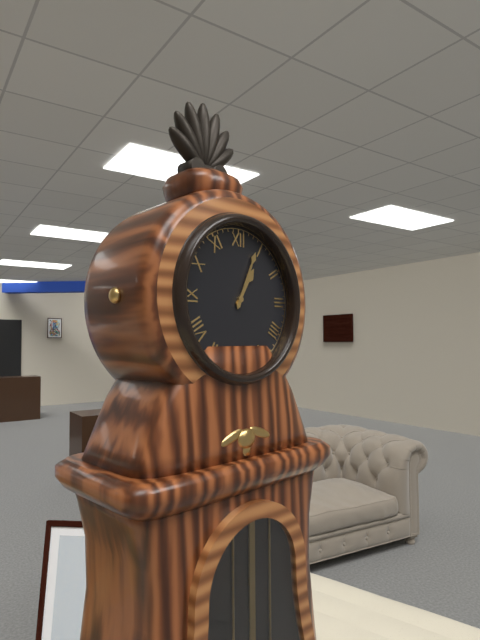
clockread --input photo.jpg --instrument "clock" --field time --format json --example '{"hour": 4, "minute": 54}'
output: {"hour": 1, "minute": 4}
